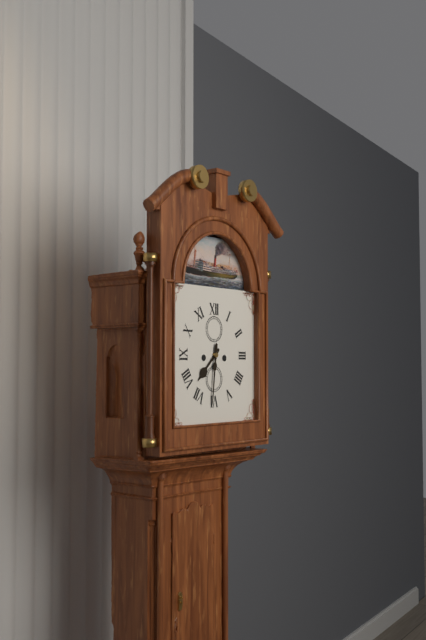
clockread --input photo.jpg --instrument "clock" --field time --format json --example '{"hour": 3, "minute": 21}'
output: {"hour": 7, "minute": 31}
